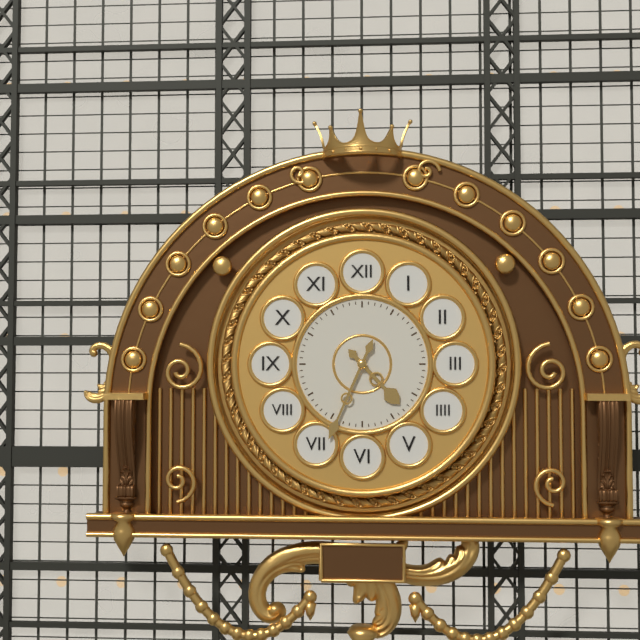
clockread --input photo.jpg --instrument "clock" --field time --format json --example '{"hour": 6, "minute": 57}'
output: {"hour": 4, "minute": 34}
